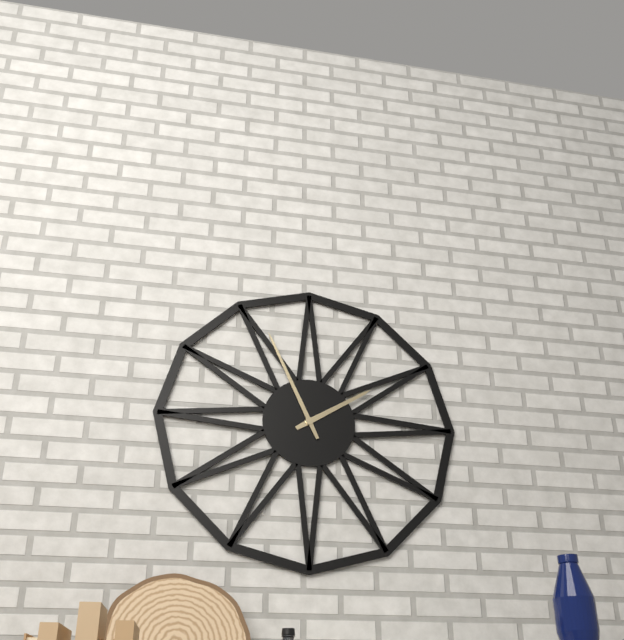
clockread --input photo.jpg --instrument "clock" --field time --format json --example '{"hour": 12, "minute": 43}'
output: {"hour": 1, "minute": 56}
